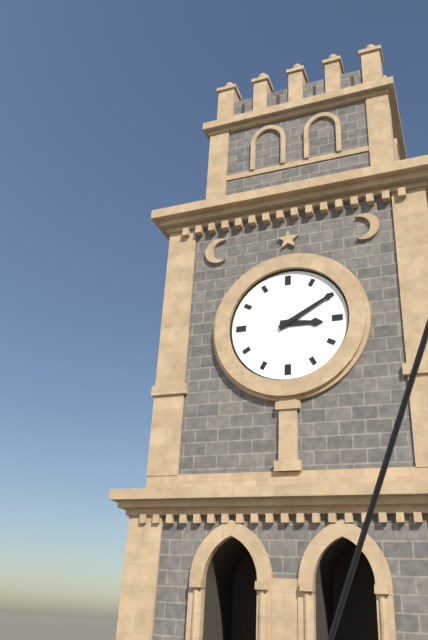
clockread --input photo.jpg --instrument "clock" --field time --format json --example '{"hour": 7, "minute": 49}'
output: {"hour": 3, "minute": 10}
